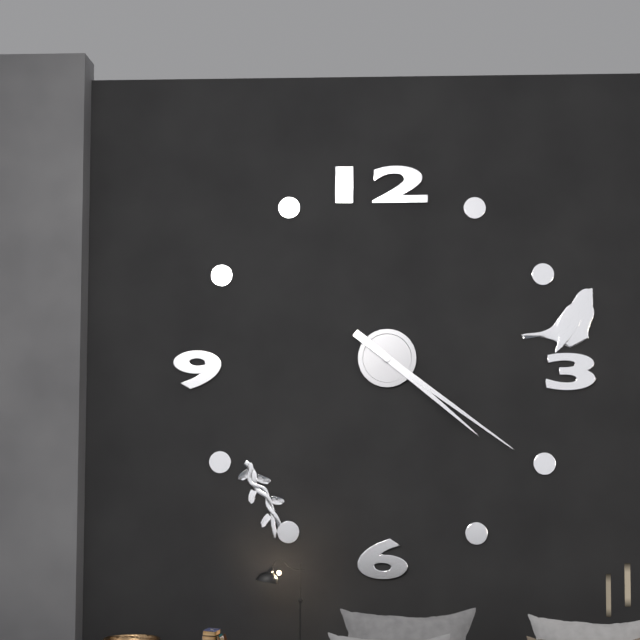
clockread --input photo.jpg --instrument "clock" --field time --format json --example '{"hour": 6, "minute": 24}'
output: {"hour": 4, "minute": 21}
